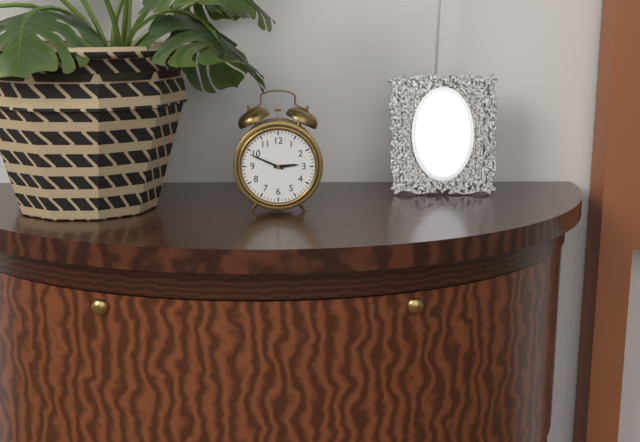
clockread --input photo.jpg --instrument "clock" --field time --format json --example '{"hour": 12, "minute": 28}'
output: {"hour": 2, "minute": 49}
